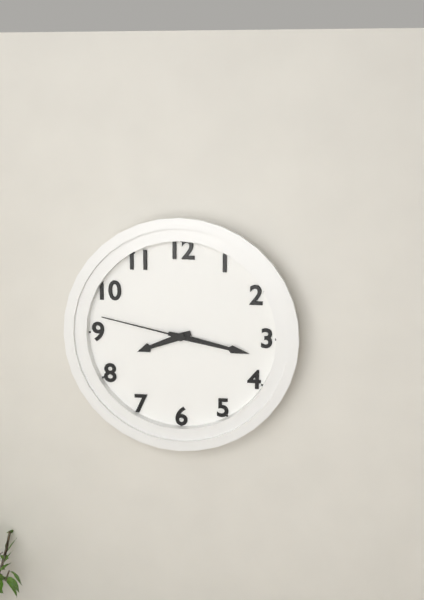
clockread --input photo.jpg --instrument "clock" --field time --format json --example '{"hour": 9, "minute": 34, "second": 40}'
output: {"hour": 8, "minute": 17, "second": 47}
